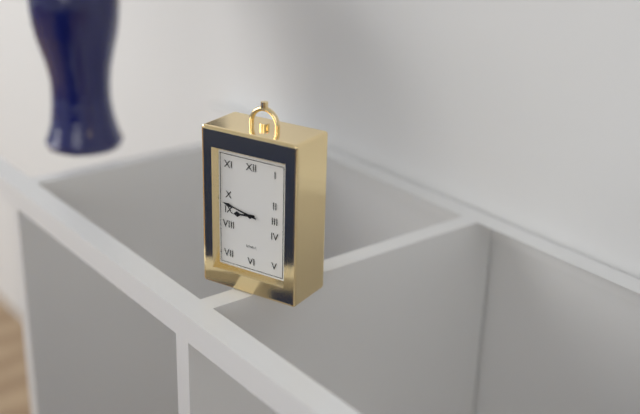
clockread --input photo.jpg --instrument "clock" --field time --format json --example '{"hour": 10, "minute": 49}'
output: {"hour": 8, "minute": 47}
